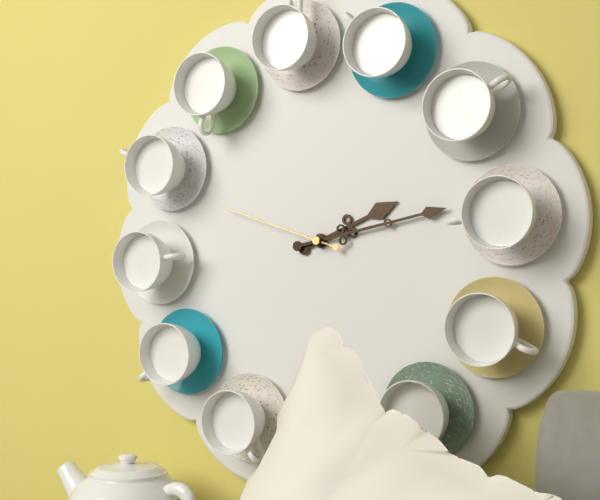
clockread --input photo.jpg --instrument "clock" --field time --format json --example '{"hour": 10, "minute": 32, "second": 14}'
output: {"hour": 2, "minute": 13, "second": 48}
